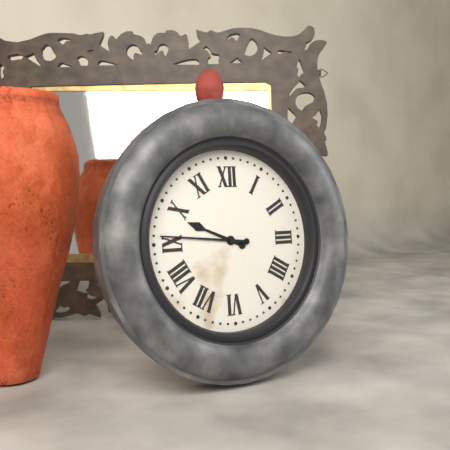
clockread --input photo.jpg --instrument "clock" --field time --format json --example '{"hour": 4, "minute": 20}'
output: {"hour": 9, "minute": 46}
